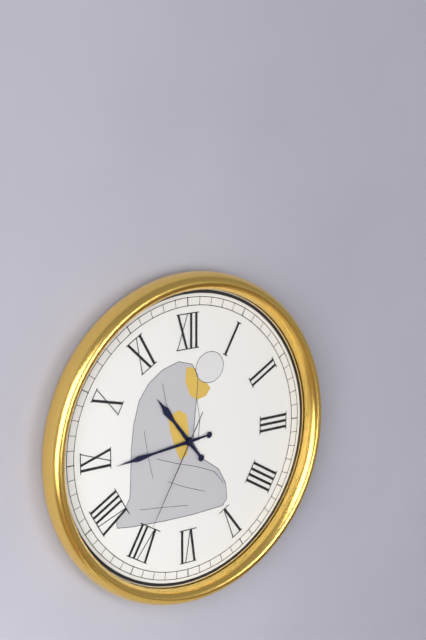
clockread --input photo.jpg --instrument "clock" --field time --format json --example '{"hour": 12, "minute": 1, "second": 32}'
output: {"hour": 10, "minute": 44, "second": 35}
